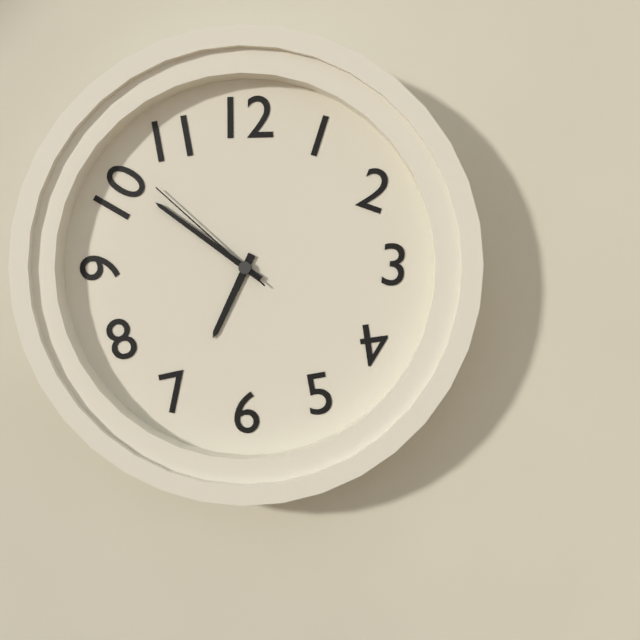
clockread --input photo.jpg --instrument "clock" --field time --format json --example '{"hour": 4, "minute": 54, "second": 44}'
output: {"hour": 6, "minute": 51, "second": 52}
